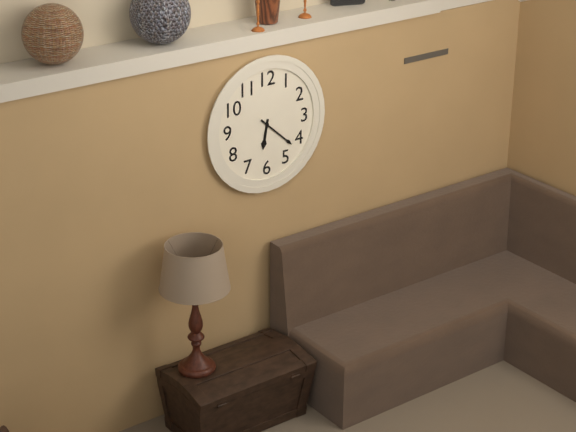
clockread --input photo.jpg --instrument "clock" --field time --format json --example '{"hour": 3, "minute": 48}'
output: {"hour": 6, "minute": 22}
